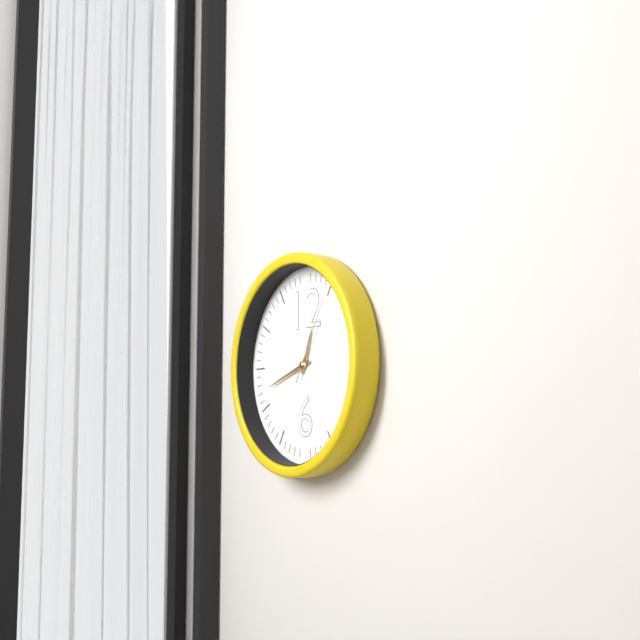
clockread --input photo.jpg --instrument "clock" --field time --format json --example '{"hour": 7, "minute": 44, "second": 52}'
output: {"hour": 12, "minute": 42, "second": 5}
